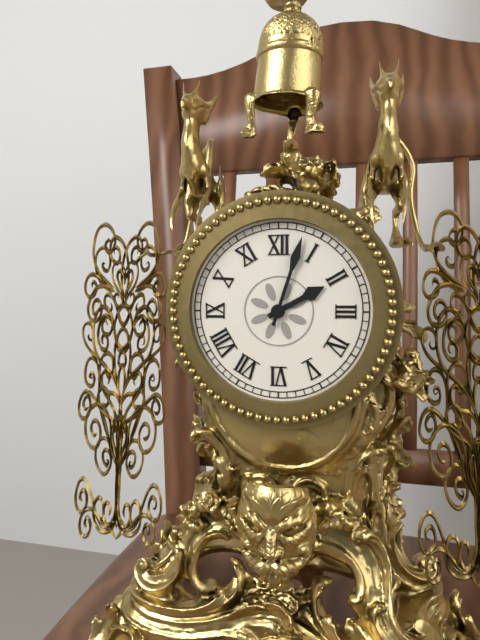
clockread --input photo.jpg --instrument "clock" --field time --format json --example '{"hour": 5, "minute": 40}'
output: {"hour": 2, "minute": 3}
